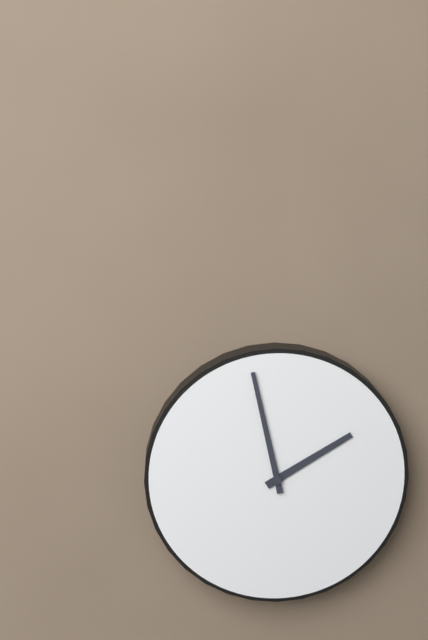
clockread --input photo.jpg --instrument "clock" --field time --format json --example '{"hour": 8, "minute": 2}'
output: {"hour": 1, "minute": 58}
